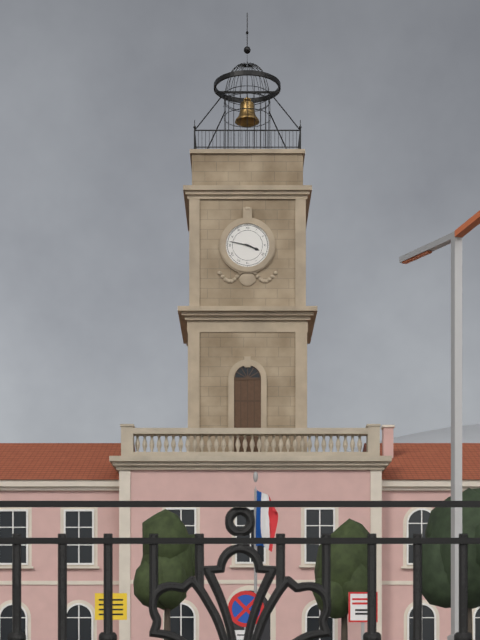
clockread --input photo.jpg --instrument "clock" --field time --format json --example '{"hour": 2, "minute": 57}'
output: {"hour": 3, "minute": 47}
